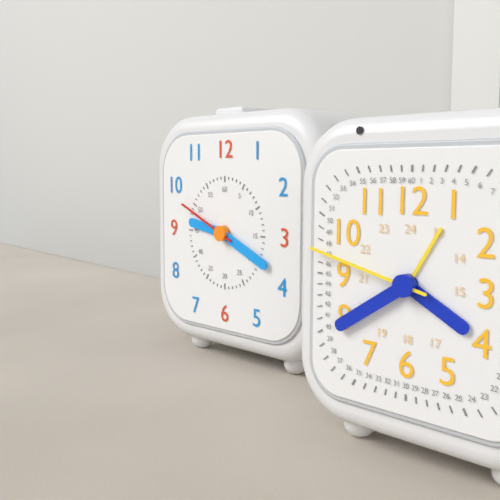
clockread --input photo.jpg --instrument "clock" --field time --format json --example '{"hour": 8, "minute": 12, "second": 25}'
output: {"hour": 9, "minute": 19, "second": 49}
